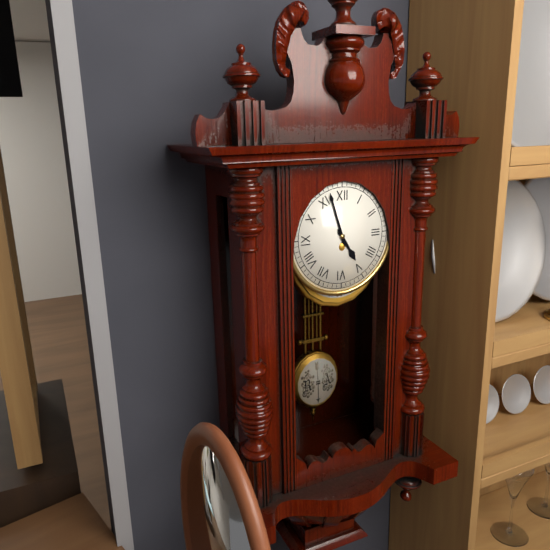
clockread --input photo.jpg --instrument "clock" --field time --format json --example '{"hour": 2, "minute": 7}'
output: {"hour": 4, "minute": 57}
